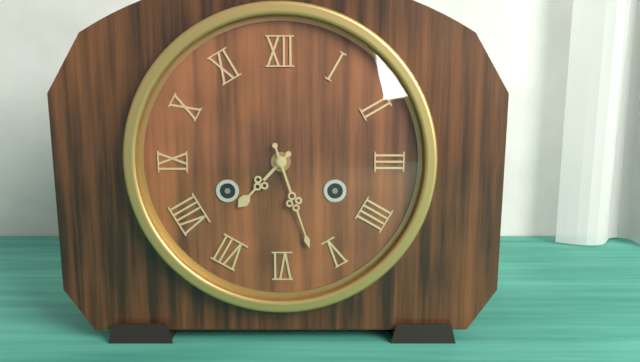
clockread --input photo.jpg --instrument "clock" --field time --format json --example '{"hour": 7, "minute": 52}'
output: {"hour": 7, "minute": 27}
